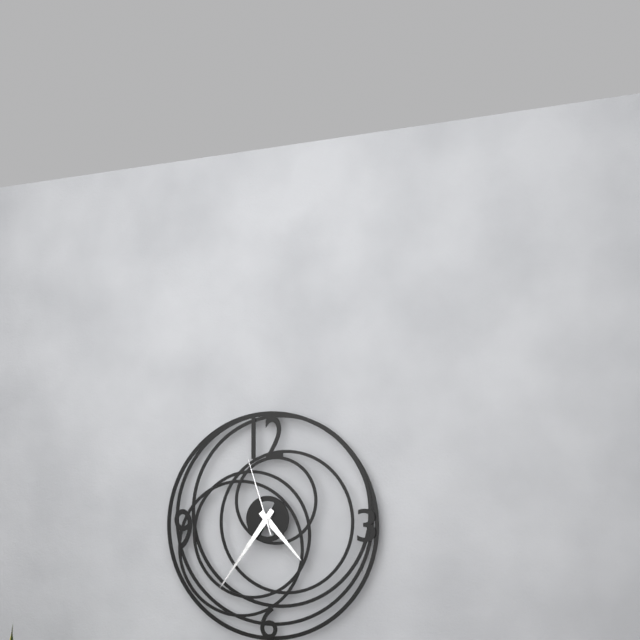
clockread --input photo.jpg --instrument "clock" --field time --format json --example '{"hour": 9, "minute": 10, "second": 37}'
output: {"hour": 4, "minute": 36, "second": 57}
